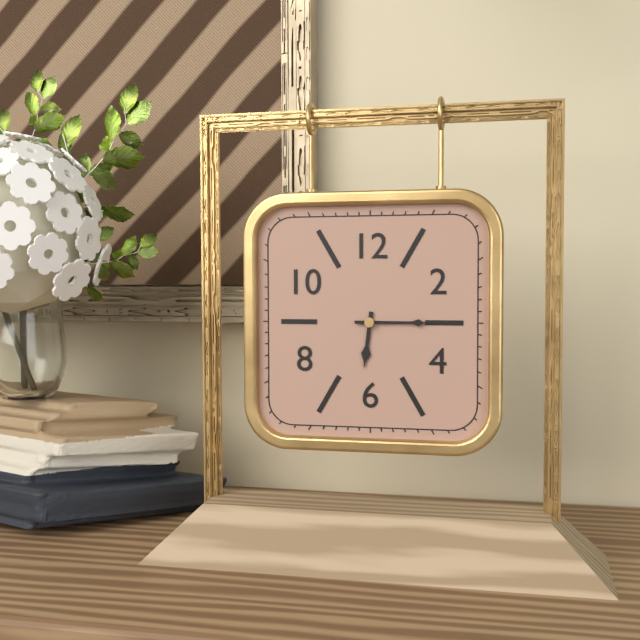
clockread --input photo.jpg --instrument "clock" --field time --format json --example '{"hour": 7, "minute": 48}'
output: {"hour": 6, "minute": 15}
